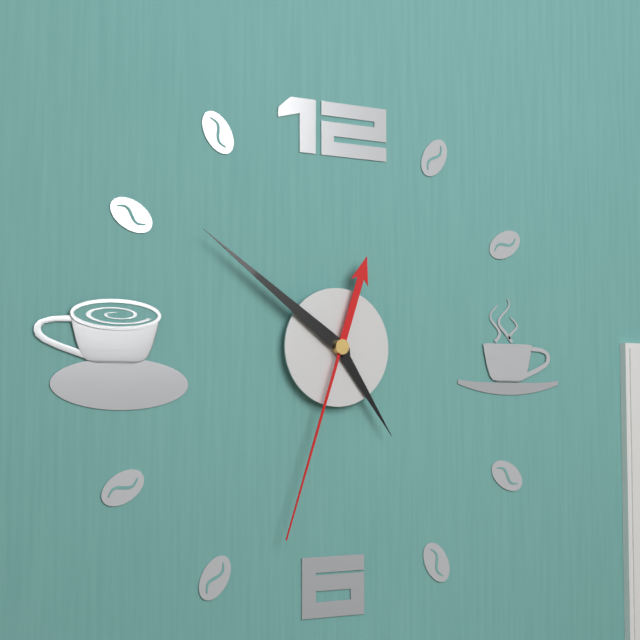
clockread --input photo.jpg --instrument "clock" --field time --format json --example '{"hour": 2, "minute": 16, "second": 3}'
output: {"hour": 4, "minute": 51, "second": 33}
